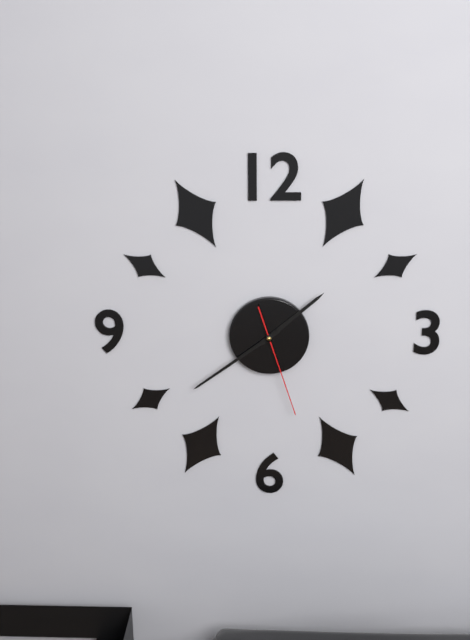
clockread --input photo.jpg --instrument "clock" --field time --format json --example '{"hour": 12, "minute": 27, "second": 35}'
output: {"hour": 1, "minute": 39, "second": 27}
